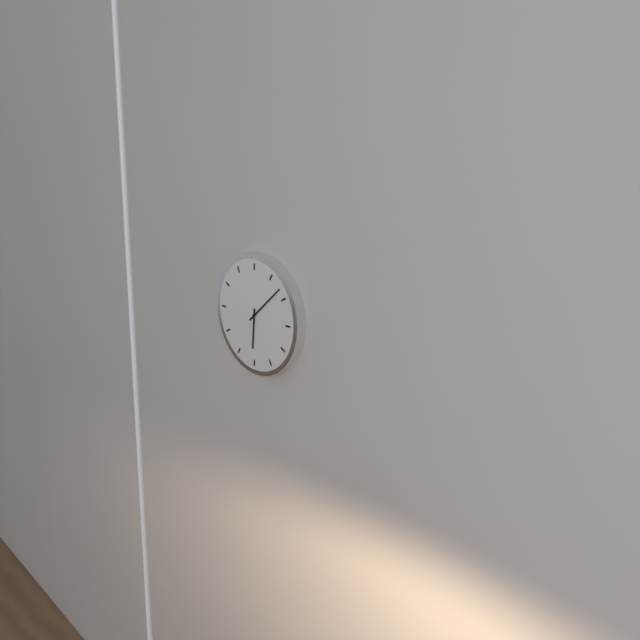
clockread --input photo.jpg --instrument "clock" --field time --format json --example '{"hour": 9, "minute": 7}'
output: {"hour": 6, "minute": 8}
